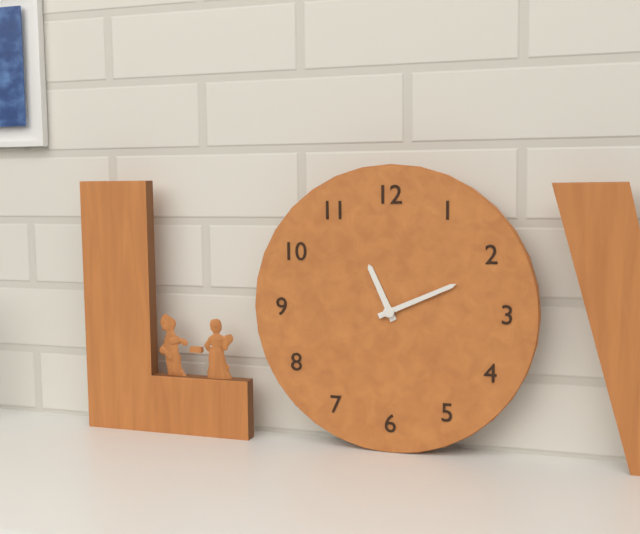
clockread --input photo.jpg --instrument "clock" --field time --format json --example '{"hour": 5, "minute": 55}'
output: {"hour": 11, "minute": 11}
